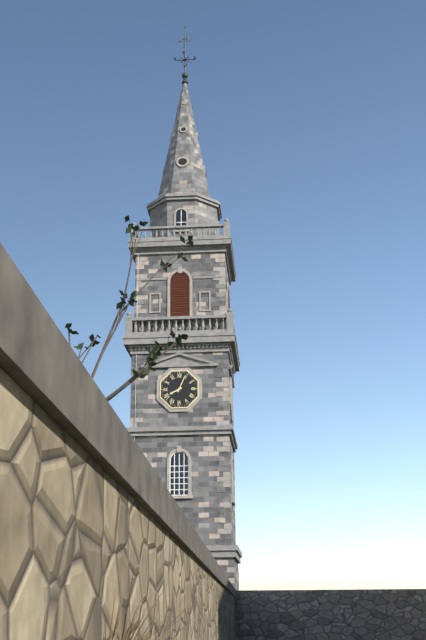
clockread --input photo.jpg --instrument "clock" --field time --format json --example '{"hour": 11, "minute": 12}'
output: {"hour": 8, "minute": 4}
